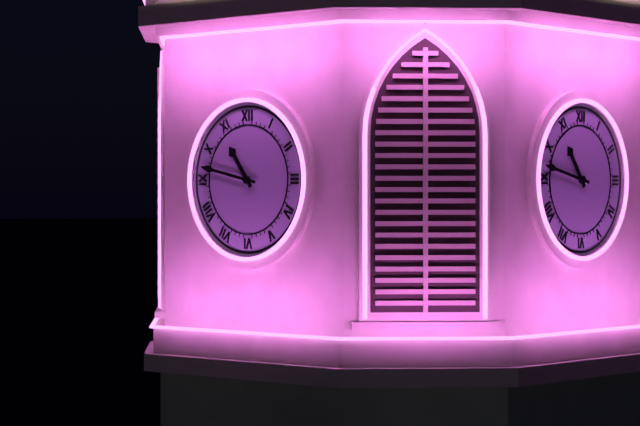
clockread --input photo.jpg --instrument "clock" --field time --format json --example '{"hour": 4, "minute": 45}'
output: {"hour": 10, "minute": 47}
